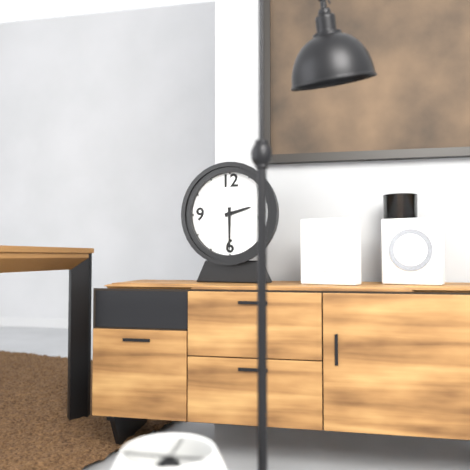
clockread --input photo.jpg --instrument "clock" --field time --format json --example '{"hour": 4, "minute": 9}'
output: {"hour": 2, "minute": 30}
